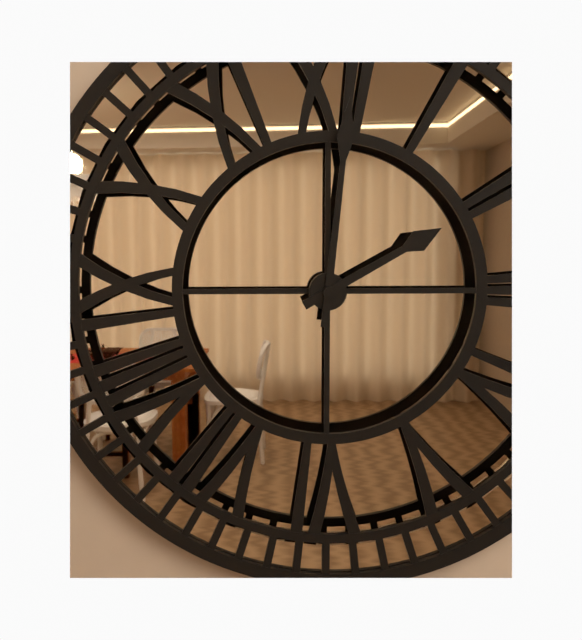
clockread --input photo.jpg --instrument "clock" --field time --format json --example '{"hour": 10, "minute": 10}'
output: {"hour": 2, "minute": 1}
